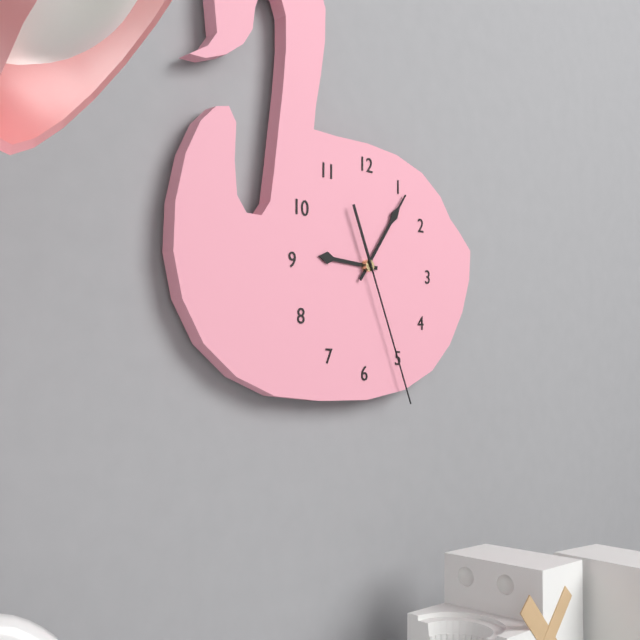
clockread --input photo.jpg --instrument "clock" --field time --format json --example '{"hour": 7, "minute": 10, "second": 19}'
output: {"hour": 9, "minute": 6, "second": 26}
